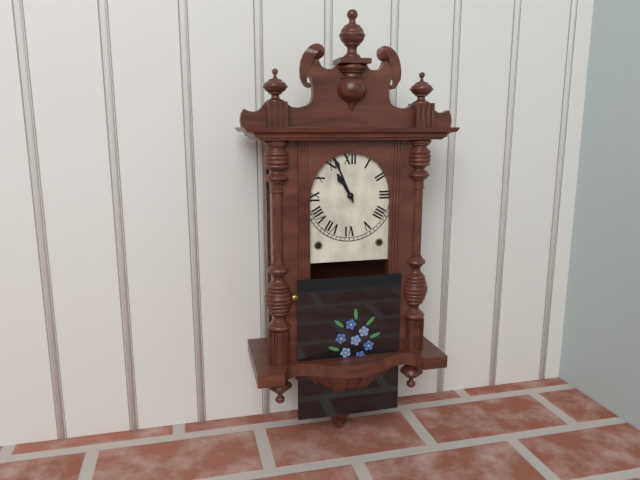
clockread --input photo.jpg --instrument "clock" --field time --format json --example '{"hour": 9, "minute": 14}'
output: {"hour": 10, "minute": 56}
